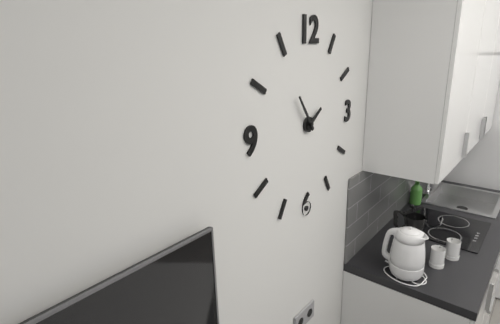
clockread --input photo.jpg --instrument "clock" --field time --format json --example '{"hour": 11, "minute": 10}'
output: {"hour": 1, "minute": 54}
